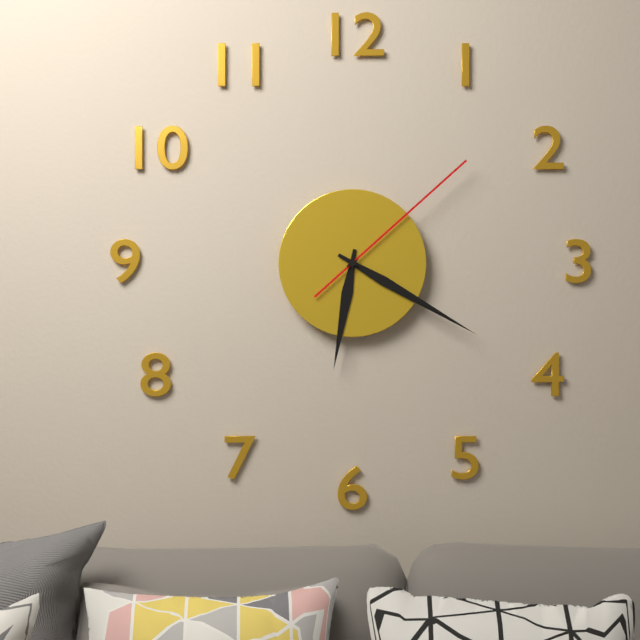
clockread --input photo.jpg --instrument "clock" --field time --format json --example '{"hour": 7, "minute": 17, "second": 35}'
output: {"hour": 6, "minute": 20, "second": 8}
